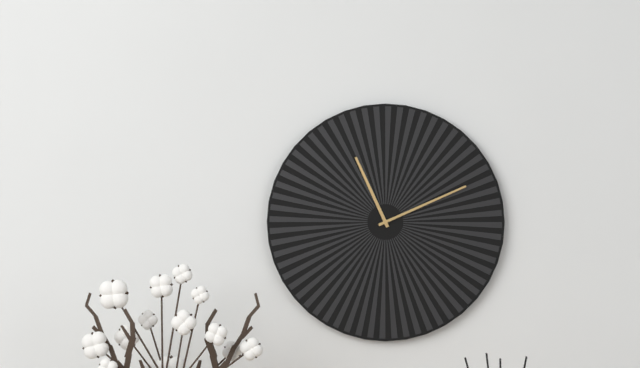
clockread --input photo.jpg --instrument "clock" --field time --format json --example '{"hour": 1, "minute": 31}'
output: {"hour": 11, "minute": 11}
